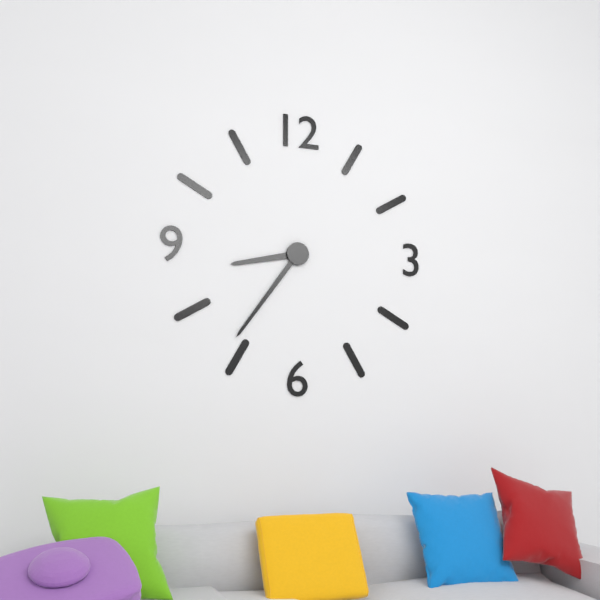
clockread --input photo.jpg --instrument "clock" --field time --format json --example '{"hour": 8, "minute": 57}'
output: {"hour": 8, "minute": 36}
